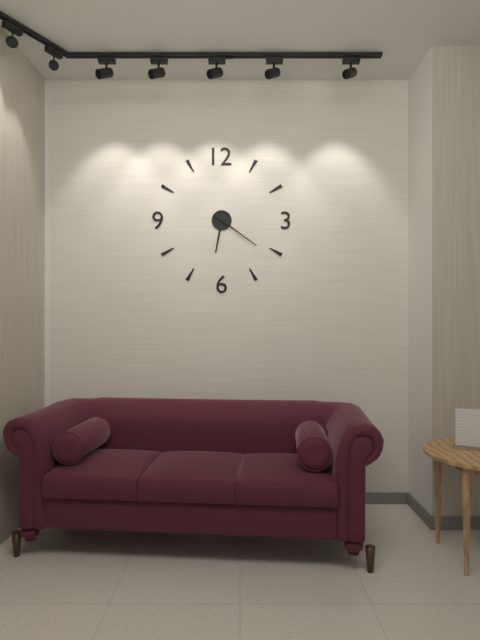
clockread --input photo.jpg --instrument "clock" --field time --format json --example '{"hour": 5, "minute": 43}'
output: {"hour": 6, "minute": 21}
